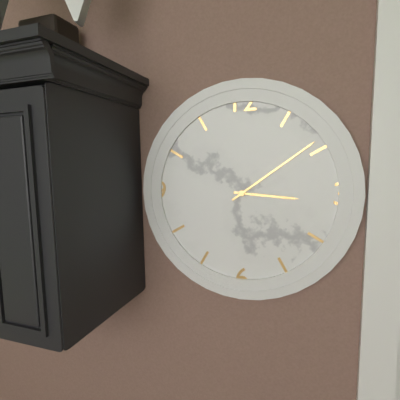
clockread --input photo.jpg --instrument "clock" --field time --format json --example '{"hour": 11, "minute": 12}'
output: {"hour": 3, "minute": 9}
